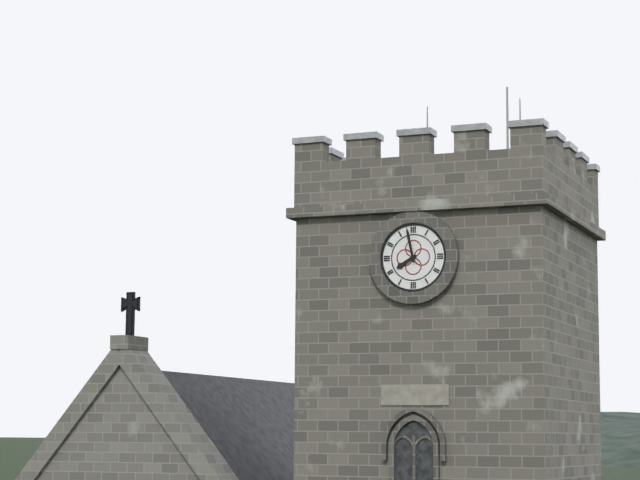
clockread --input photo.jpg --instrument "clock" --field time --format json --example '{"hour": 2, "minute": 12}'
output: {"hour": 7, "minute": 58}
